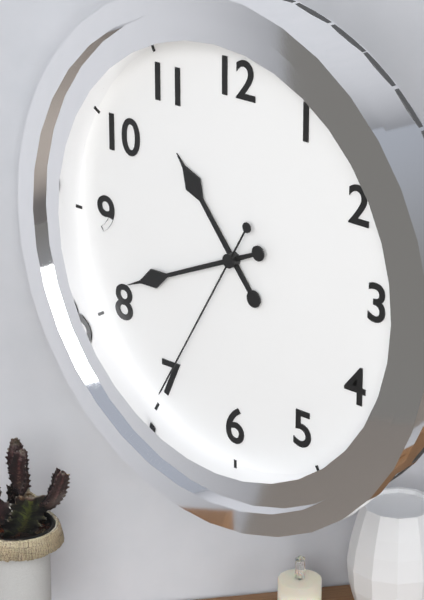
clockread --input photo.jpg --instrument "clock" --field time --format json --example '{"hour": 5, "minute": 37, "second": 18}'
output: {"hour": 10, "minute": 41, "second": 35}
